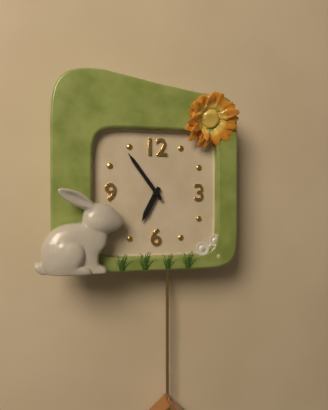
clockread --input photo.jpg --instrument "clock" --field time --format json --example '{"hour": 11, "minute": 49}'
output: {"hour": 6, "minute": 54}
